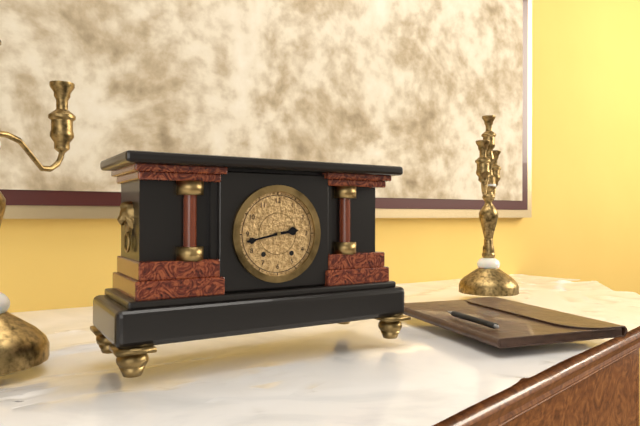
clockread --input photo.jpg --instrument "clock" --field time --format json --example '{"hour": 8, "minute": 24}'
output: {"hour": 2, "minute": 43}
